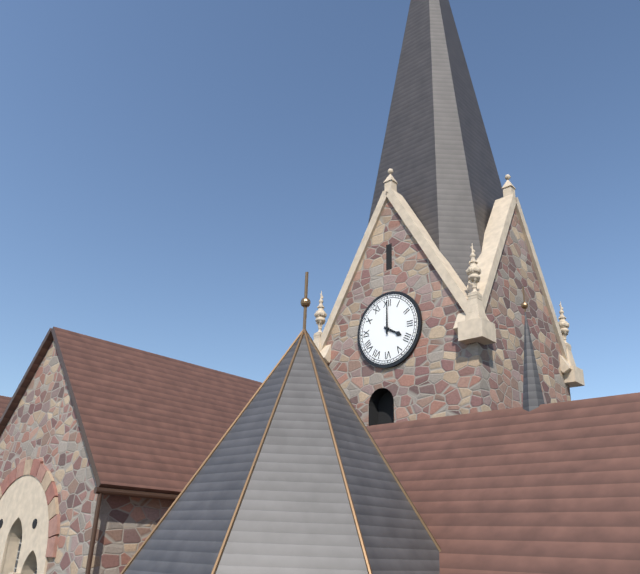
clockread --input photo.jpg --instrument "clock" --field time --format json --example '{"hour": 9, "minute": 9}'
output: {"hour": 4, "minute": 0}
